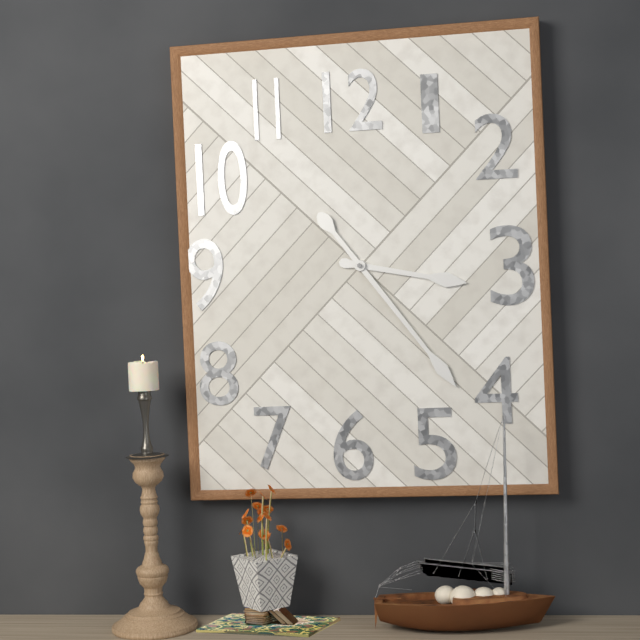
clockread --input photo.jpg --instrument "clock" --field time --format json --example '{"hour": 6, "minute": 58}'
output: {"hour": 3, "minute": 24}
